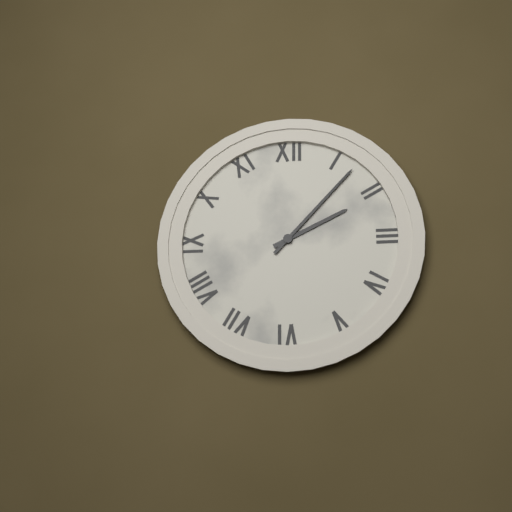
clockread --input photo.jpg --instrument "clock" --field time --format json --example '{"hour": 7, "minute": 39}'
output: {"hour": 2, "minute": 7}
